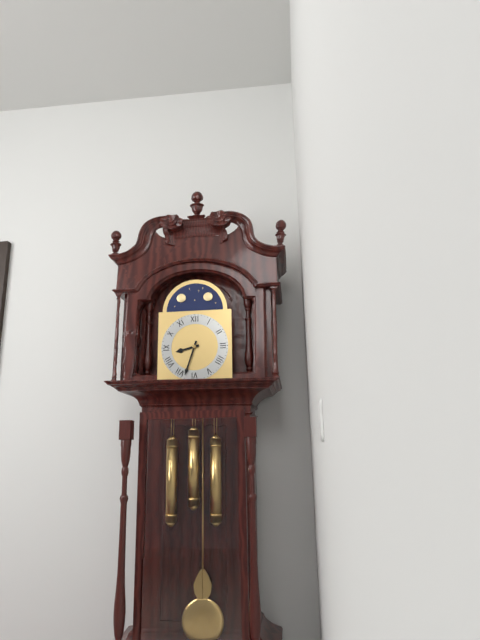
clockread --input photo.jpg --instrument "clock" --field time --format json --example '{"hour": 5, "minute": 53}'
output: {"hour": 8, "minute": 33}
